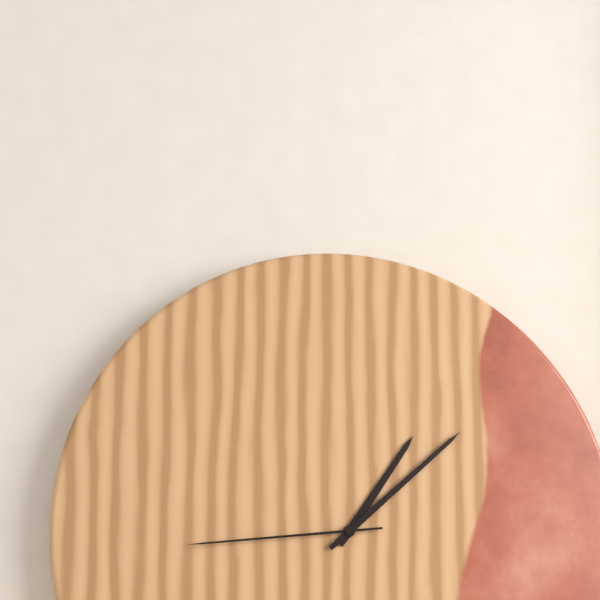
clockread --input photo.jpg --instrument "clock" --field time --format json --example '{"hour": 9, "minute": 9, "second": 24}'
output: {"hour": 1, "minute": 8, "second": 44}
